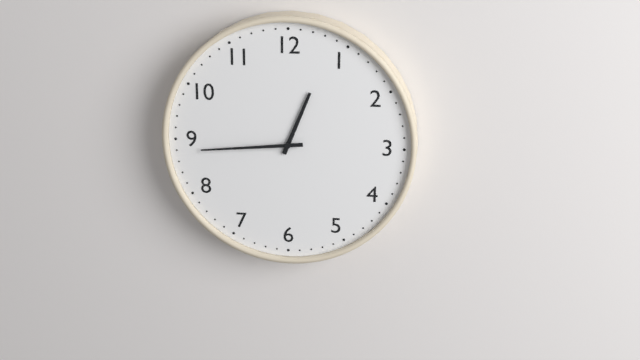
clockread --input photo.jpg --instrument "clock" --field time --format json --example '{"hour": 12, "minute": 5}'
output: {"hour": 12, "minute": 44}
